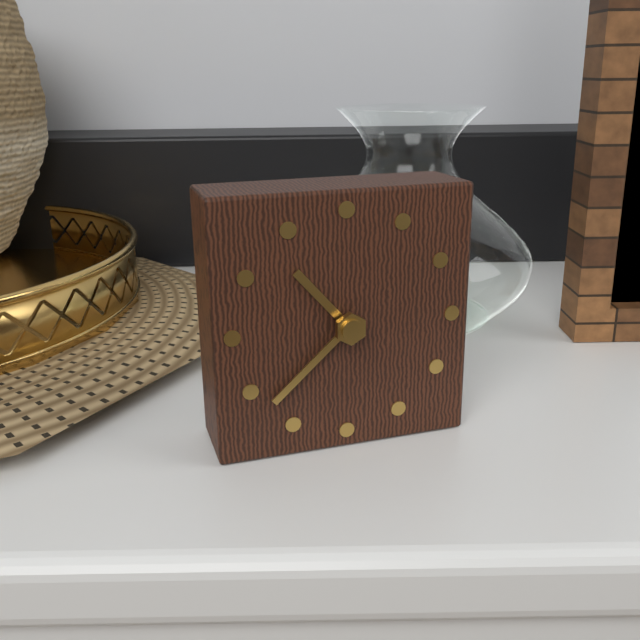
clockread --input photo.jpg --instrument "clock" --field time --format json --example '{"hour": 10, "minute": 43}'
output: {"hour": 10, "minute": 38}
